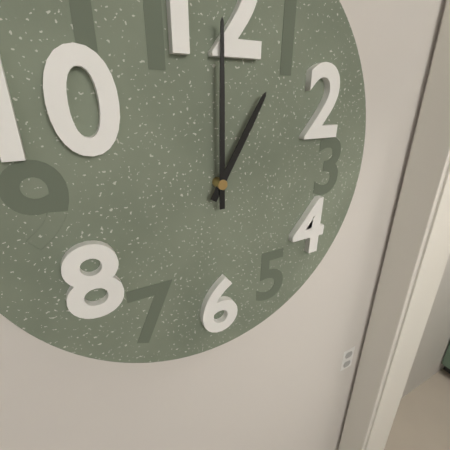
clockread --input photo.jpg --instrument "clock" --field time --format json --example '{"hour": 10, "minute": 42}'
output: {"hour": 1, "minute": 0}
